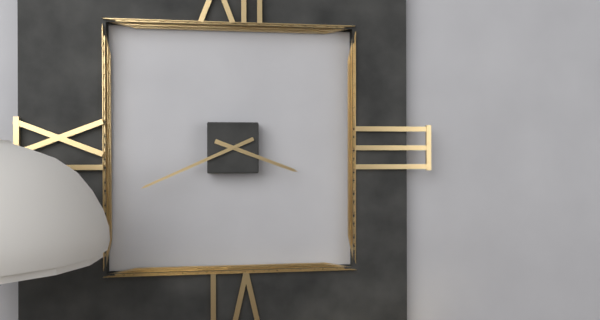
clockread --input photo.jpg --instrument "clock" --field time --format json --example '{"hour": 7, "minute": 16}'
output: {"hour": 3, "minute": 41}
